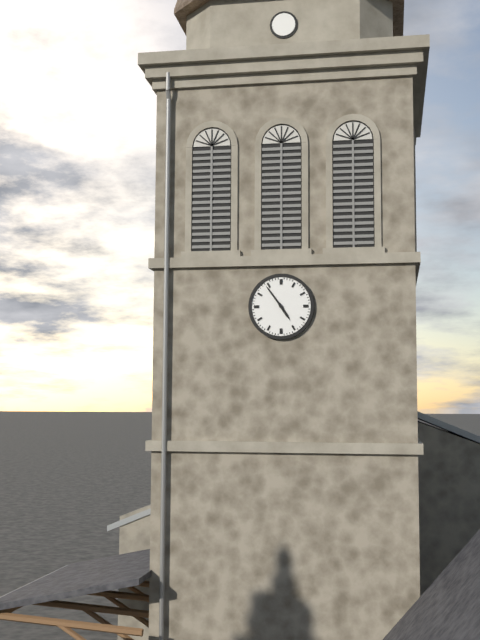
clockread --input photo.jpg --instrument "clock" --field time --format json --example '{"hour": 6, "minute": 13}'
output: {"hour": 4, "minute": 54}
